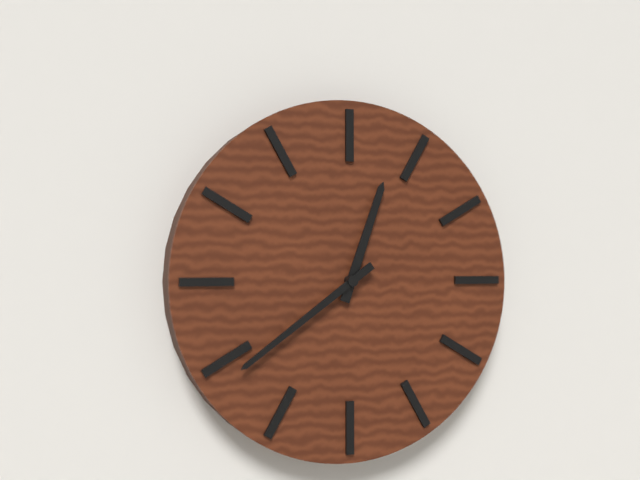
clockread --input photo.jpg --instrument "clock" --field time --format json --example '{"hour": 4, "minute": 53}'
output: {"hour": 12, "minute": 39}
